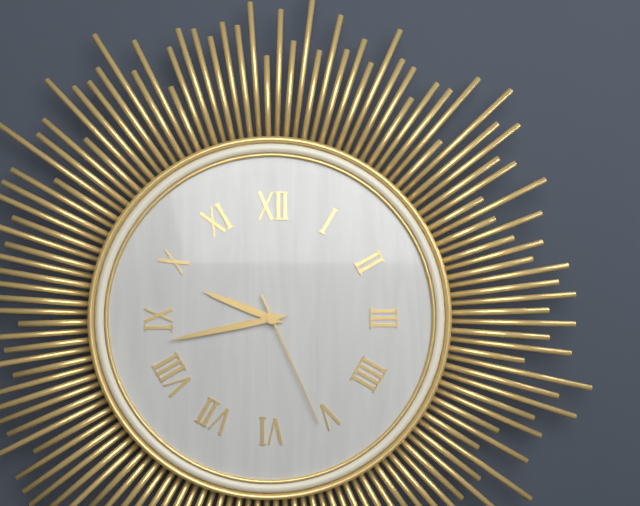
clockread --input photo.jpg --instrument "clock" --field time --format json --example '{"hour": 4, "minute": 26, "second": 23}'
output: {"hour": 9, "minute": 43, "second": 26}
